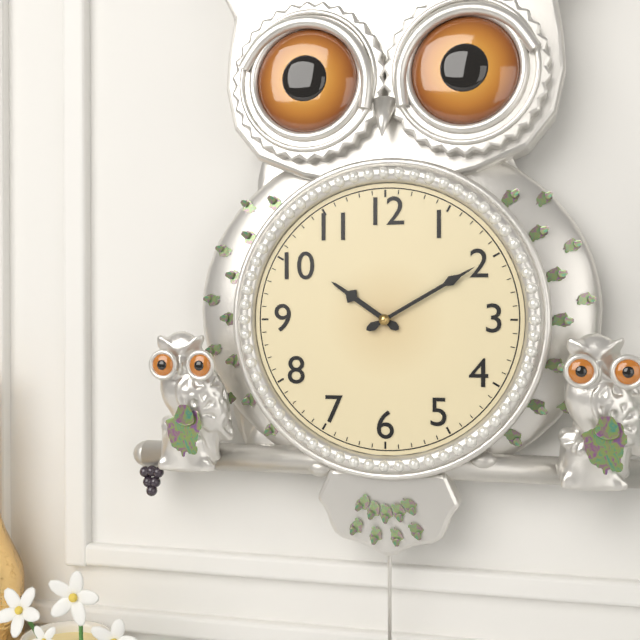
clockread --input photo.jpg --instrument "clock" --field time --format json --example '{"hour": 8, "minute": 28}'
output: {"hour": 10, "minute": 10}
